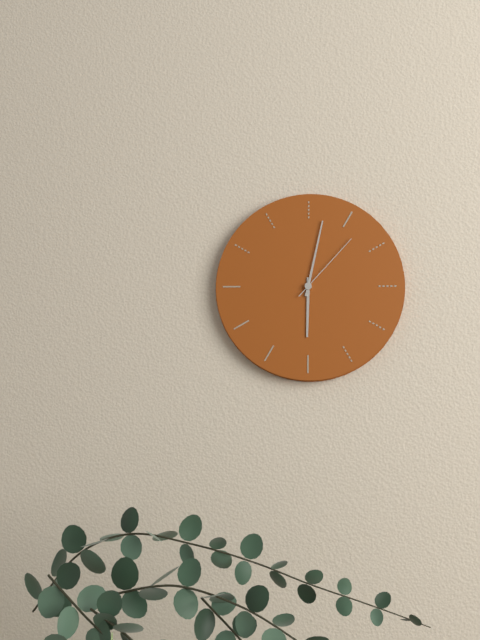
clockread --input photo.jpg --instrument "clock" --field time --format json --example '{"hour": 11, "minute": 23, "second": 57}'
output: {"hour": 6, "minute": 2, "second": 7}
